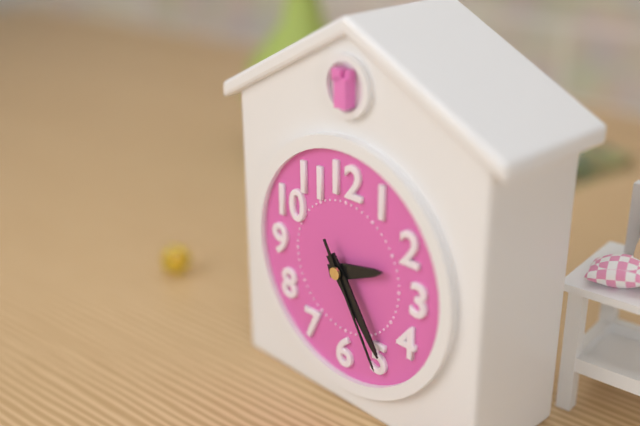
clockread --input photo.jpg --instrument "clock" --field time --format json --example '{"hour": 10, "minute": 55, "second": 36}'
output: {"hour": 2, "minute": 24, "second": 25}
